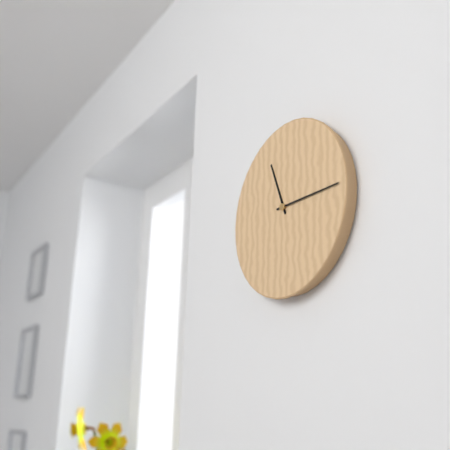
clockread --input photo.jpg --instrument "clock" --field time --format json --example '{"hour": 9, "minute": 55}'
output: {"hour": 11, "minute": 15}
